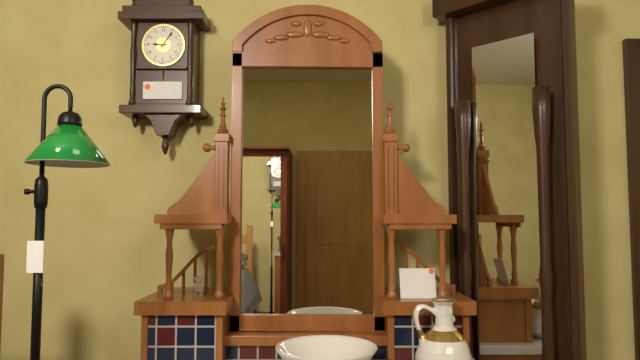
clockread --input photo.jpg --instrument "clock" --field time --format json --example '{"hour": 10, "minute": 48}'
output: {"hour": 9, "minute": 6}
